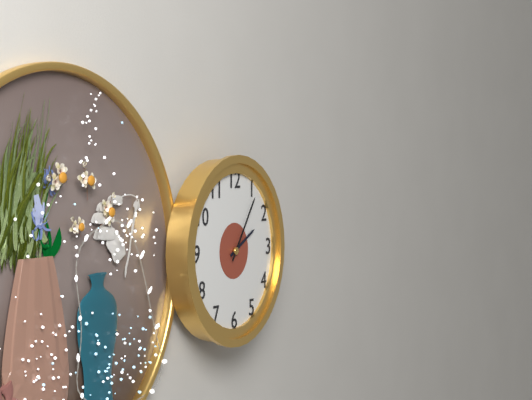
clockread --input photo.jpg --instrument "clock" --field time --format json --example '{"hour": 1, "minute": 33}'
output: {"hour": 2, "minute": 6}
